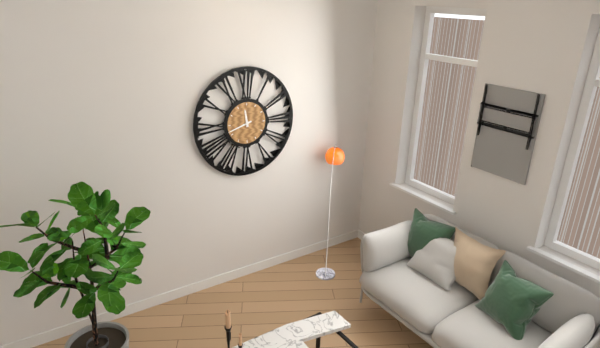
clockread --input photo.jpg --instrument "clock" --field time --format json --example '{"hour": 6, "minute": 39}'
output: {"hour": 11, "minute": 42}
